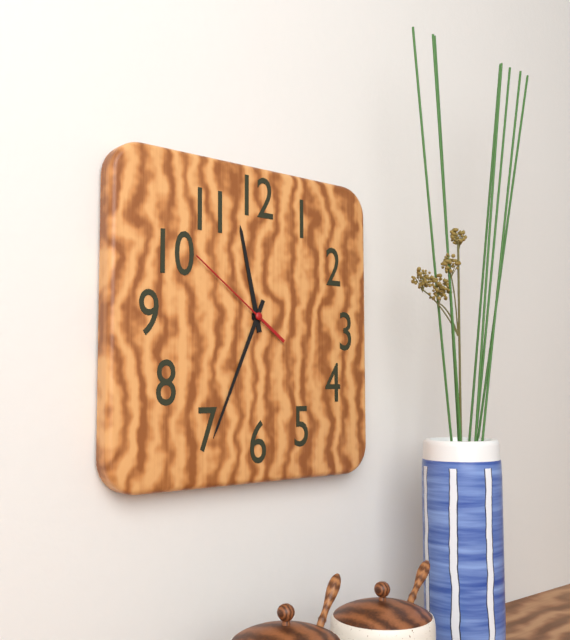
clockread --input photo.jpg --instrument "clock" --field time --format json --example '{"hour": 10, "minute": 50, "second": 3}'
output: {"hour": 11, "minute": 34, "second": 51}
